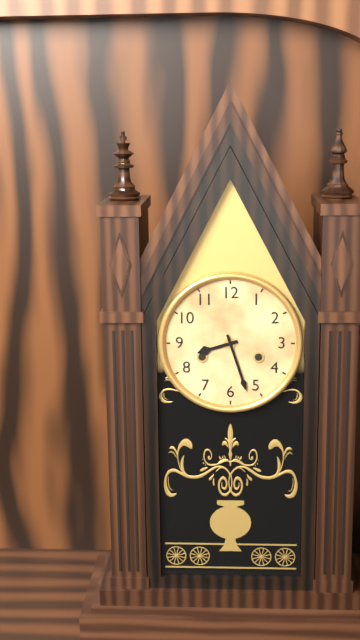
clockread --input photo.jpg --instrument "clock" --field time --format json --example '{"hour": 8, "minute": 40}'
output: {"hour": 8, "minute": 27}
